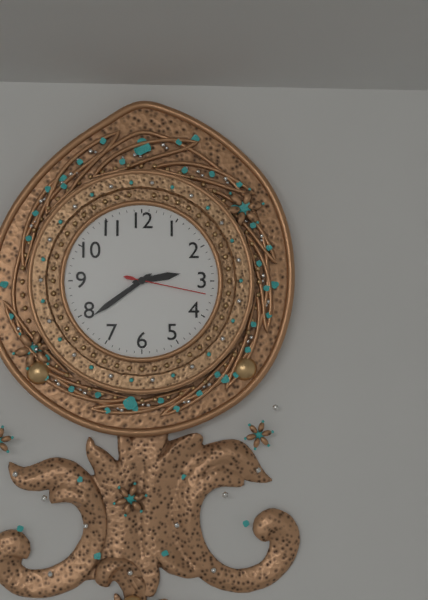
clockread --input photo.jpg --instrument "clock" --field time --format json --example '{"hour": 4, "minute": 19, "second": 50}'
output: {"hour": 2, "minute": 39, "second": 17}
